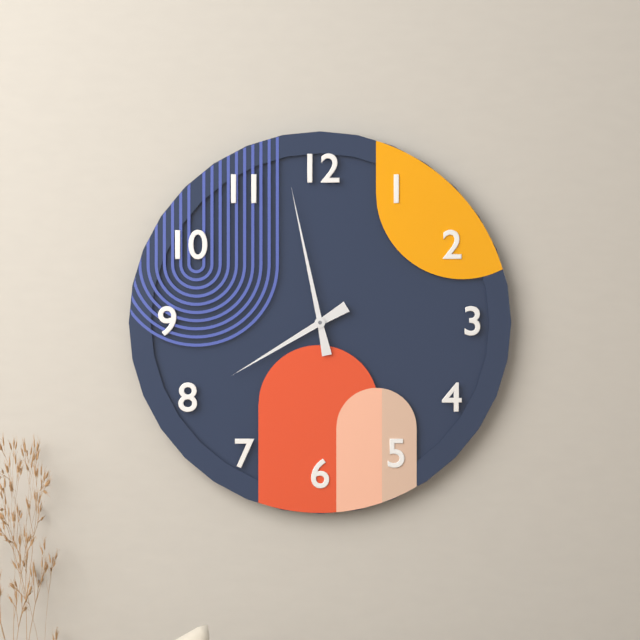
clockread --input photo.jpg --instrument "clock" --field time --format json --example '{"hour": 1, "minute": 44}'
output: {"hour": 7, "minute": 58}
